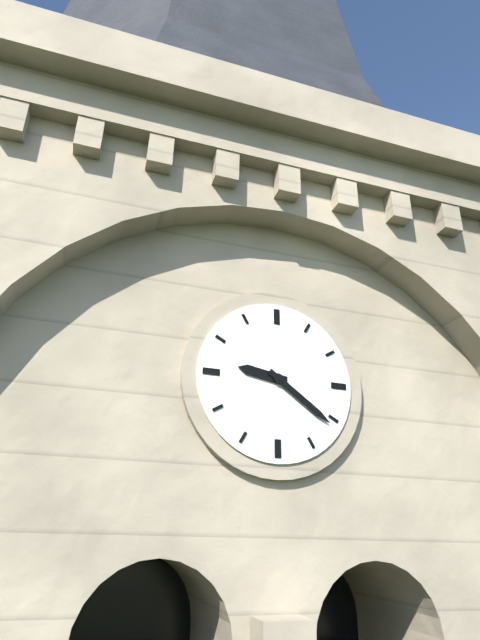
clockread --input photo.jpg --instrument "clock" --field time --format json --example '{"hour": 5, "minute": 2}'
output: {"hour": 9, "minute": 21}
